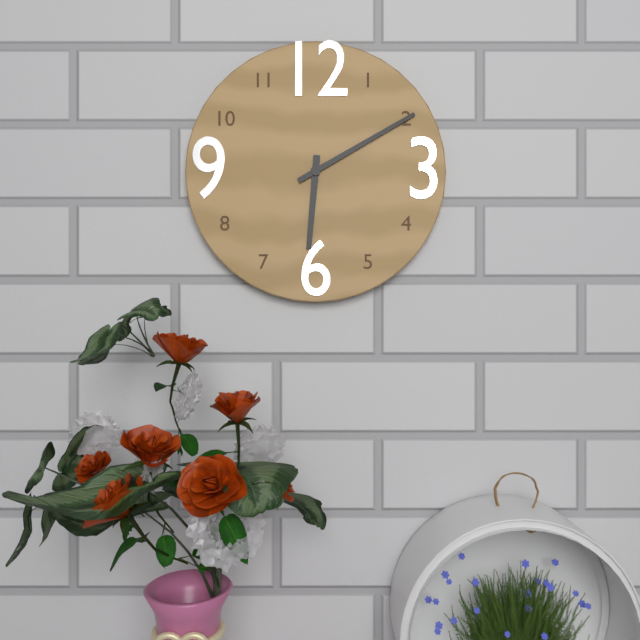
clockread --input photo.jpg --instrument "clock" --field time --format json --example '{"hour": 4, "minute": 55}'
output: {"hour": 6, "minute": 10}
